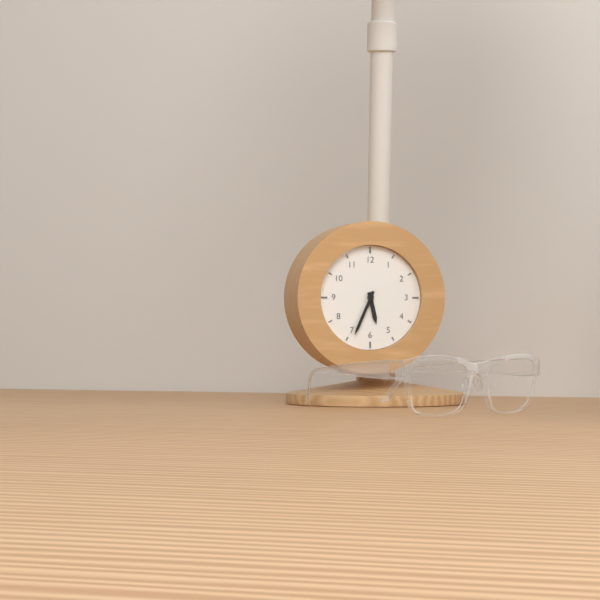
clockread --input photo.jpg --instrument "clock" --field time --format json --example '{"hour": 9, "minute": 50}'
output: {"hour": 5, "minute": 34}
